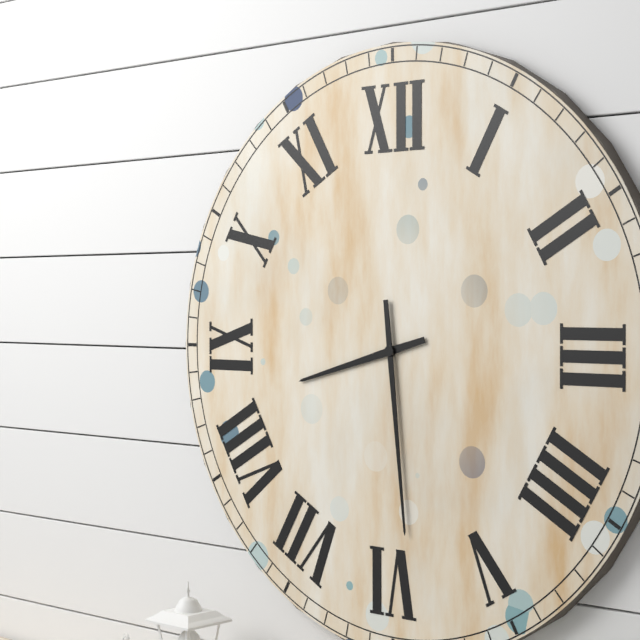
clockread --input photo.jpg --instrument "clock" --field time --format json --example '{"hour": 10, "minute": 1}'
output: {"hour": 8, "minute": 29}
